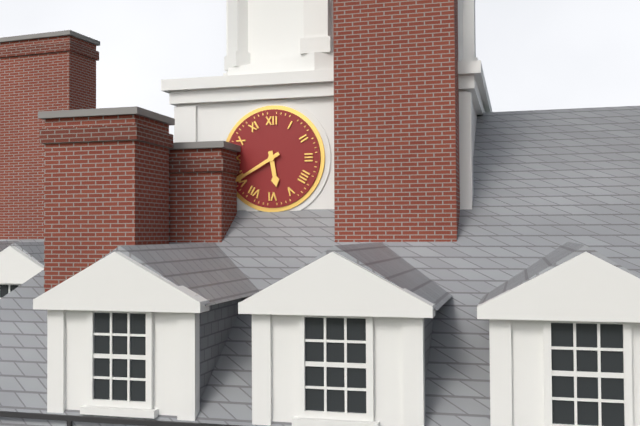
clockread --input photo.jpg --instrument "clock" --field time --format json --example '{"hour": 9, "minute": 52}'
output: {"hour": 5, "minute": 40}
